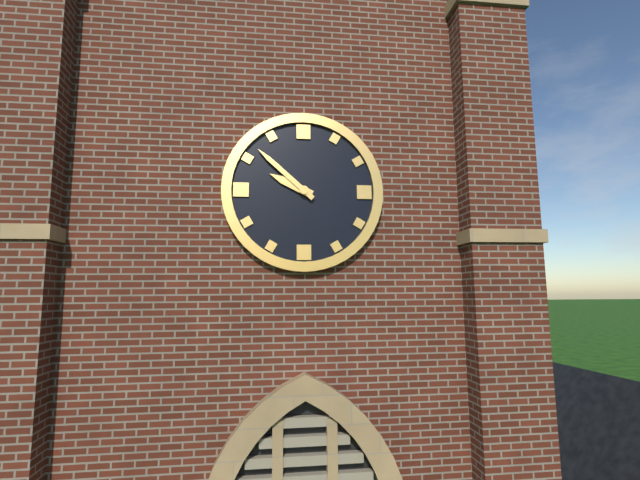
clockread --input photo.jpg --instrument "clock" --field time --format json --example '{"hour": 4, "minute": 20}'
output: {"hour": 9, "minute": 52}
